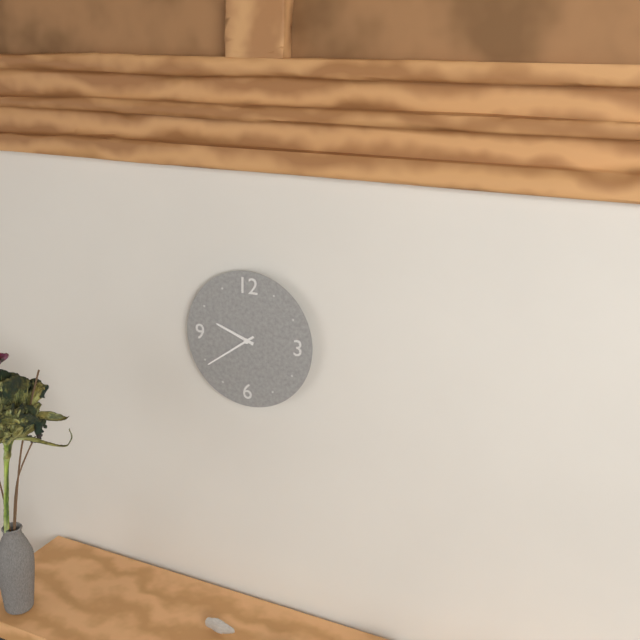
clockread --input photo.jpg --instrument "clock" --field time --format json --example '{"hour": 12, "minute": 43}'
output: {"hour": 9, "minute": 39}
